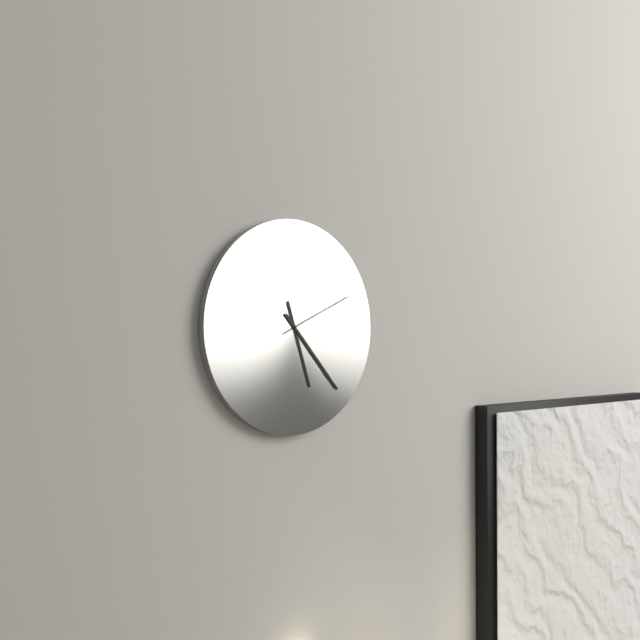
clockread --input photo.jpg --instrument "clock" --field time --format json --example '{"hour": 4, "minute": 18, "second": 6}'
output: {"hour": 5, "minute": 23, "second": 11}
